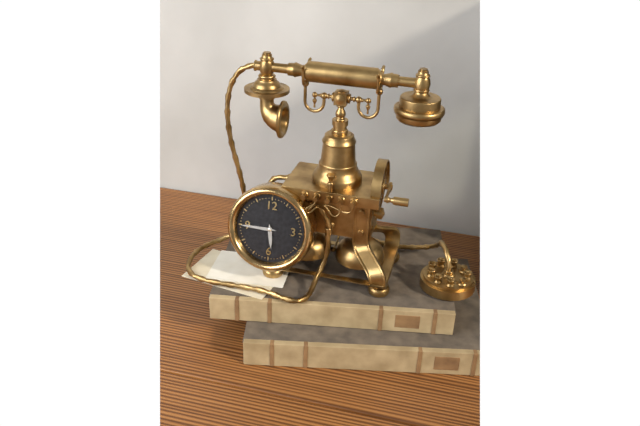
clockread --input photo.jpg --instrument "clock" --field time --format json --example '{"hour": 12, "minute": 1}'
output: {"hour": 5, "minute": 45}
